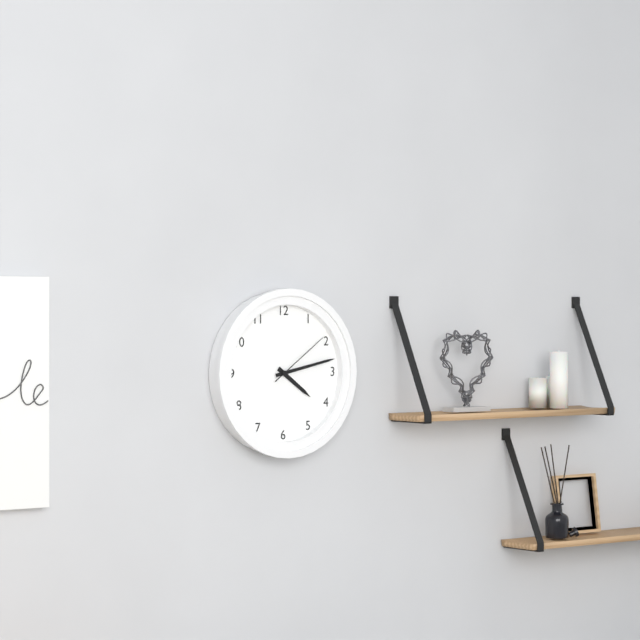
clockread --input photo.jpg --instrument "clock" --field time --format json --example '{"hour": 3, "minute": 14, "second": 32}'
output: {"hour": 4, "minute": 13, "second": 9}
